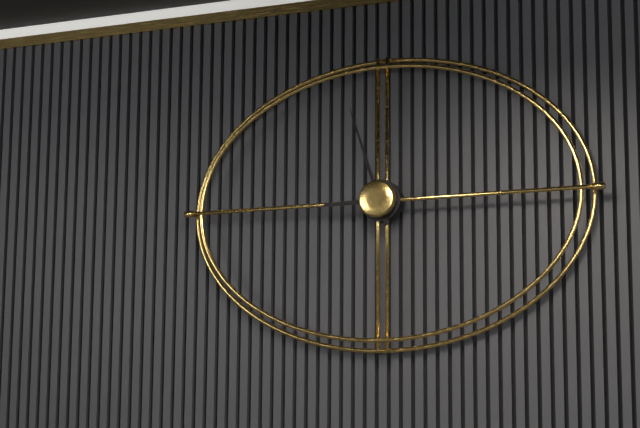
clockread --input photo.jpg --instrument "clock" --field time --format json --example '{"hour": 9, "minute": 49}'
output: {"hour": 8, "minute": 57}
